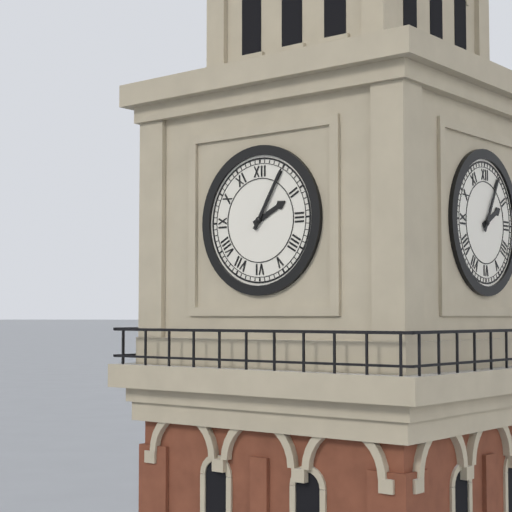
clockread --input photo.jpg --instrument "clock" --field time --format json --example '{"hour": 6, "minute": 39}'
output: {"hour": 2, "minute": 5}
